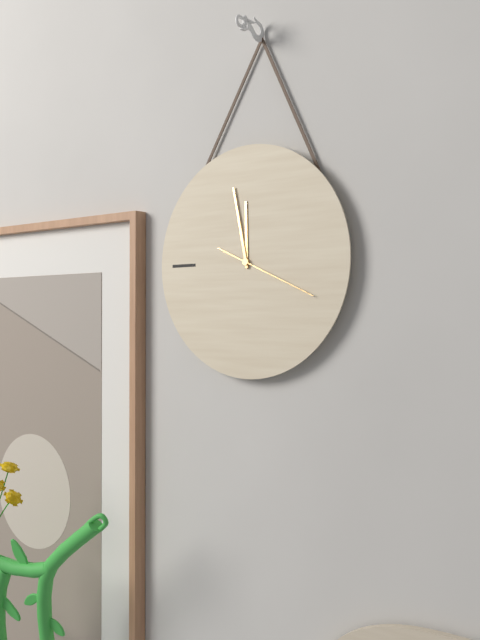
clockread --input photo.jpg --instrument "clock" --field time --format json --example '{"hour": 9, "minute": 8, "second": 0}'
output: {"hour": 11, "minute": 58, "second": 19}
